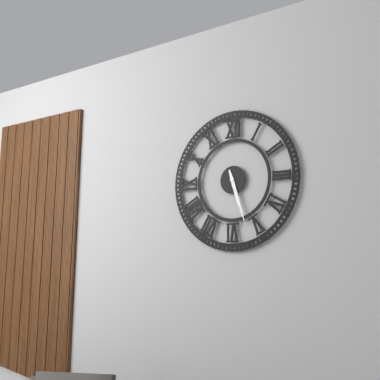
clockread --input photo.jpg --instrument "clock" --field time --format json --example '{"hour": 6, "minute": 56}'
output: {"hour": 5, "minute": 27}
